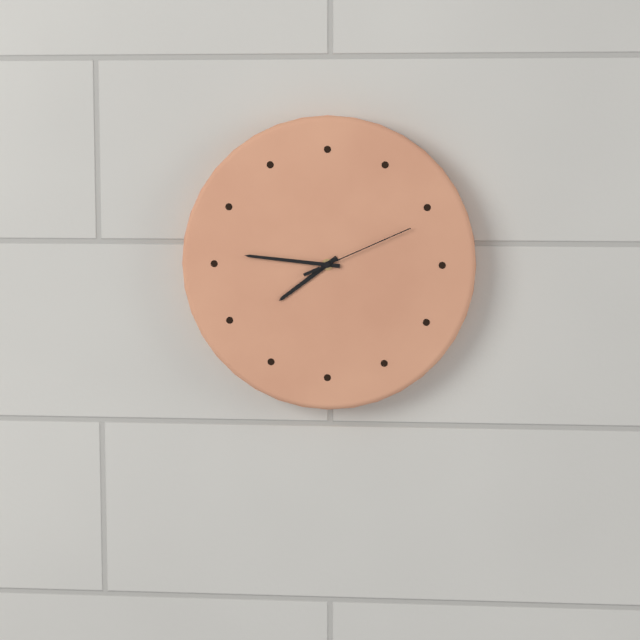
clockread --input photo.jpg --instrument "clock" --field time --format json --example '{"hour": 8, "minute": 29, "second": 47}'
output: {"hour": 7, "minute": 46, "second": 11}
